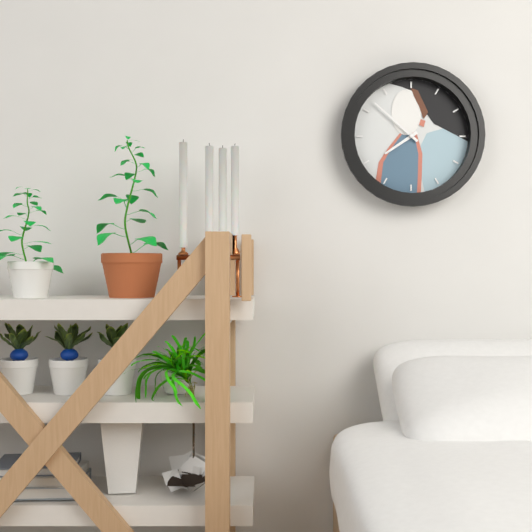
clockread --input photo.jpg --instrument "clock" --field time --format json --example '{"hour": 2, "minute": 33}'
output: {"hour": 7, "minute": 52}
